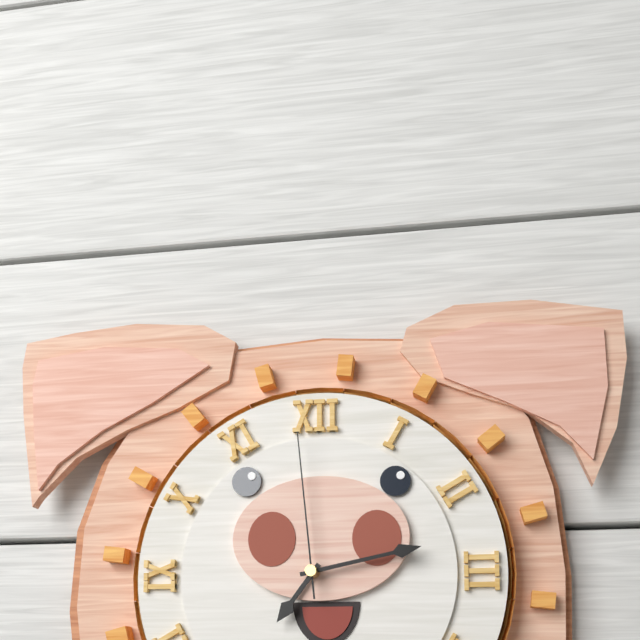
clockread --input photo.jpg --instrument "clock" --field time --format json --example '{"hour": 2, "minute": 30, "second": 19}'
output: {"hour": 7, "minute": 13, "second": 59}
